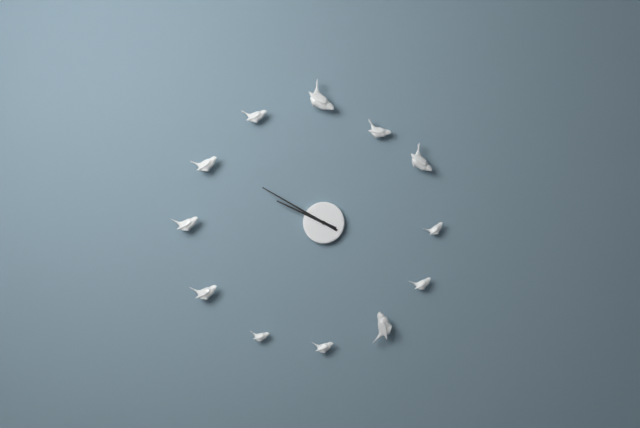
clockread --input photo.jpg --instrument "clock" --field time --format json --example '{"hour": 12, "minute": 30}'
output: {"hour": 9, "minute": 50}
